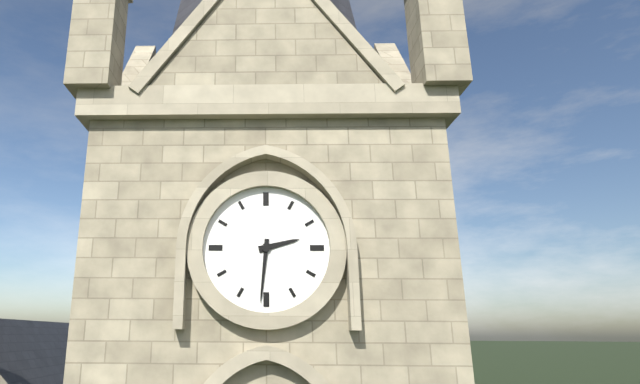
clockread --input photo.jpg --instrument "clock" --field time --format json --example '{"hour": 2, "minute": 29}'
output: {"hour": 2, "minute": 31}
